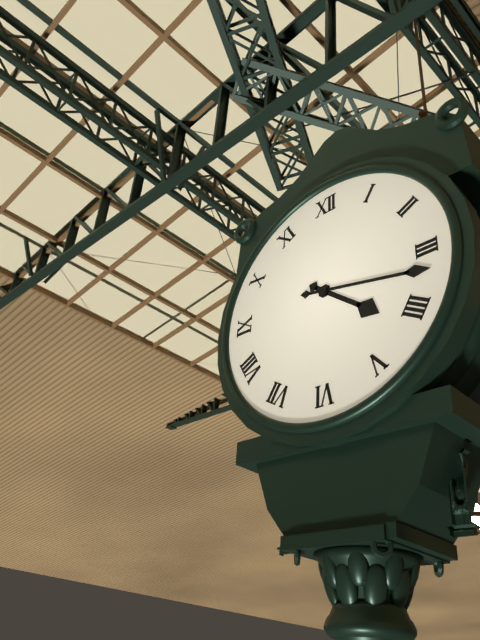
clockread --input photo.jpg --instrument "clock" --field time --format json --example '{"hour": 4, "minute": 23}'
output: {"hour": 4, "minute": 17}
